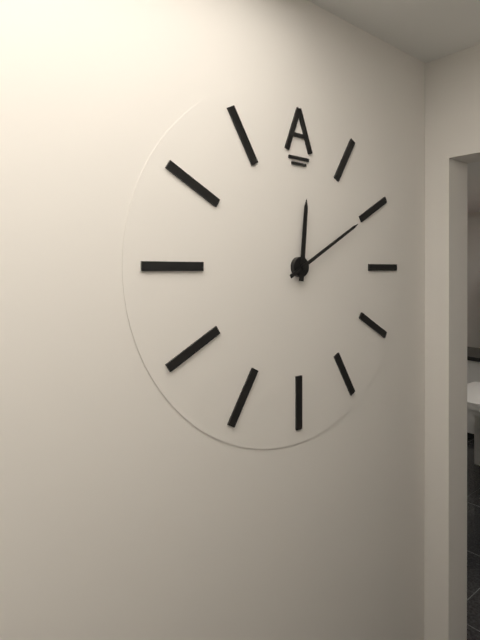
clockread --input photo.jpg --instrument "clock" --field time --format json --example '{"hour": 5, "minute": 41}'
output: {"hour": 12, "minute": 10}
